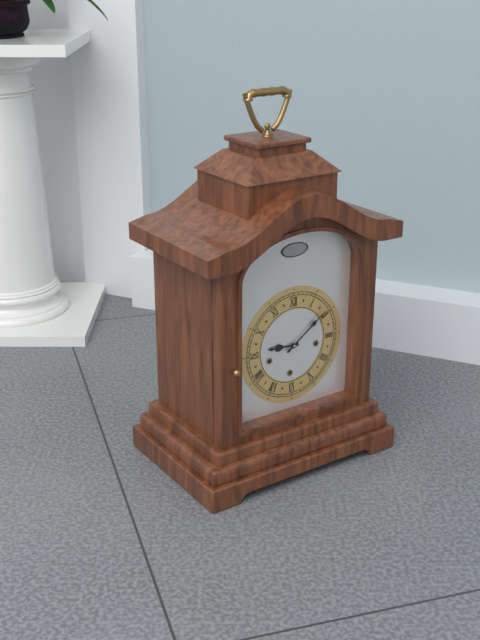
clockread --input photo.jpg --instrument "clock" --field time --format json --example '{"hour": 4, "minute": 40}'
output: {"hour": 9, "minute": 9}
